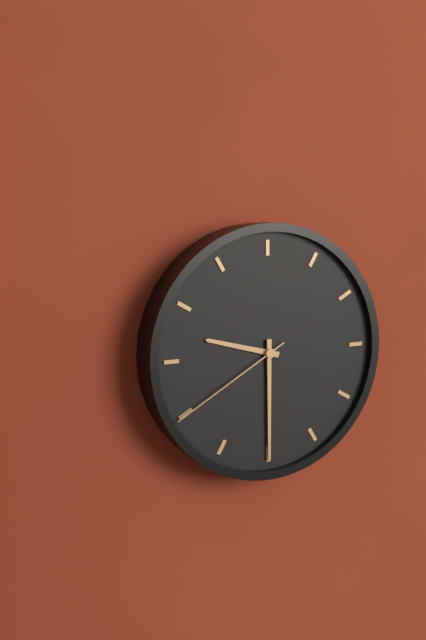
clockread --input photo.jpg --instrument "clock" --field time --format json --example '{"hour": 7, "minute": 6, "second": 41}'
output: {"hour": 9, "minute": 30, "second": 40}
